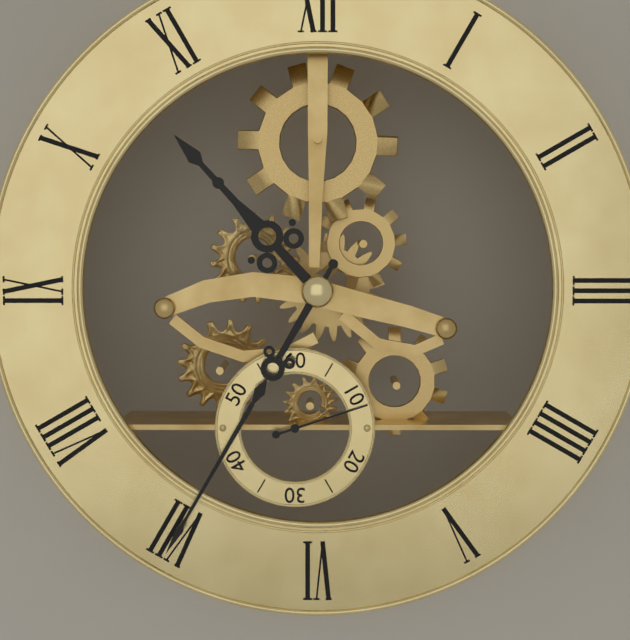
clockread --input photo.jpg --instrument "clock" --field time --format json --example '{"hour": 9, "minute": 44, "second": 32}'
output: {"hour": 10, "minute": 35, "second": 12}
